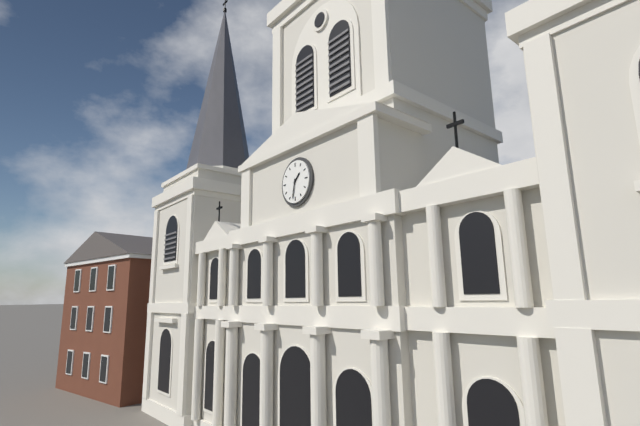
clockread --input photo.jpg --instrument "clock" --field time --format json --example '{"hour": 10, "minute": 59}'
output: {"hour": 1, "minute": 32}
